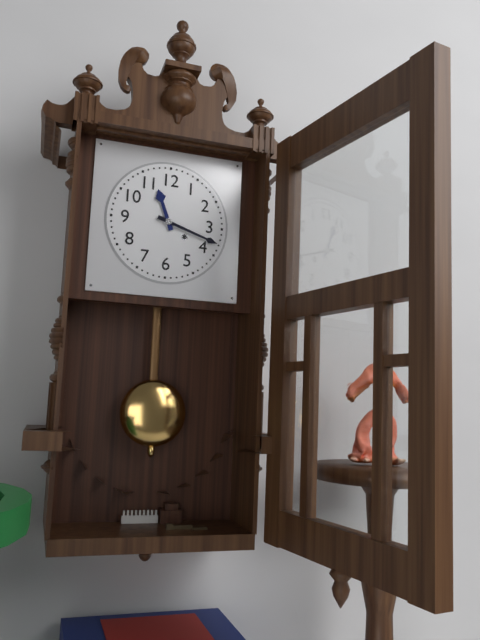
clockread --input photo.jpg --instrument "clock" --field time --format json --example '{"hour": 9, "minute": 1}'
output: {"hour": 11, "minute": 18}
